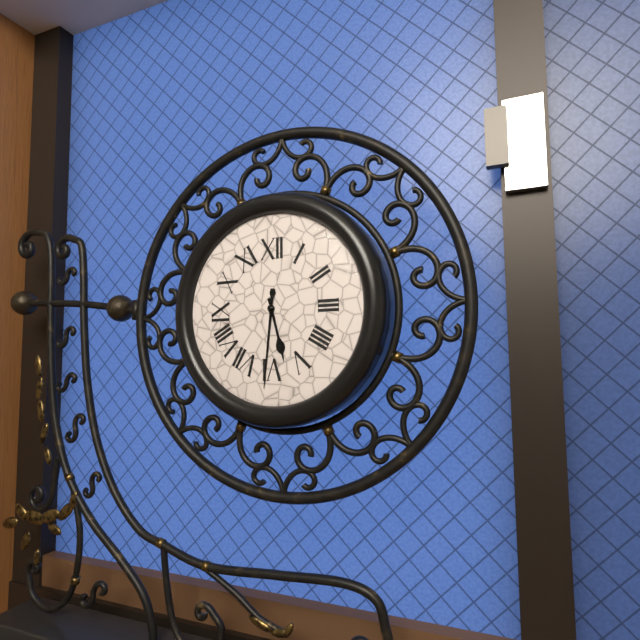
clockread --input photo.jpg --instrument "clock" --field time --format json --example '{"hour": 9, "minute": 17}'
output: {"hour": 5, "minute": 31}
